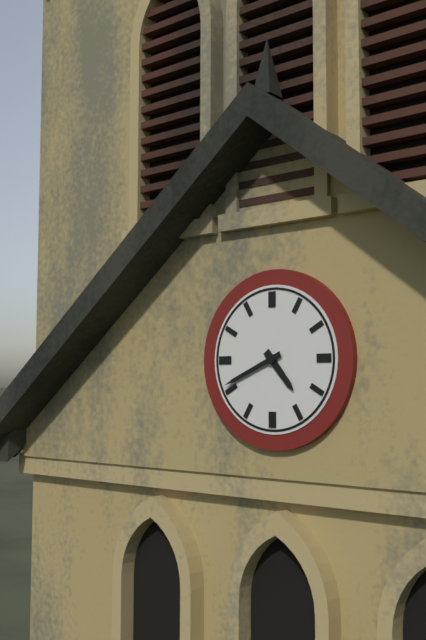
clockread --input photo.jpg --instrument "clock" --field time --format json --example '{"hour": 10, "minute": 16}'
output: {"hour": 4, "minute": 41}
